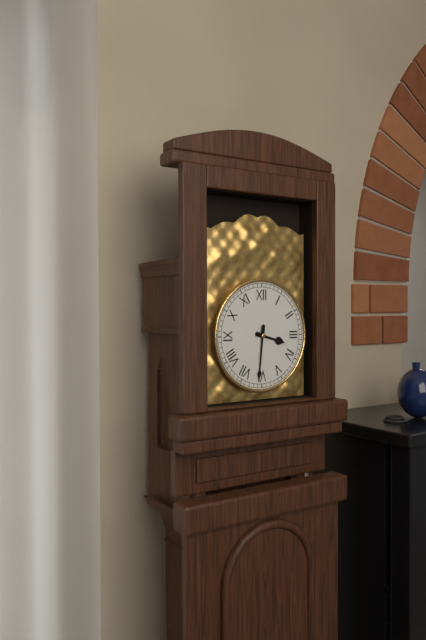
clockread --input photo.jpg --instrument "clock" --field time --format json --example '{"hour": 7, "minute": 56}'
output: {"hour": 3, "minute": 31}
